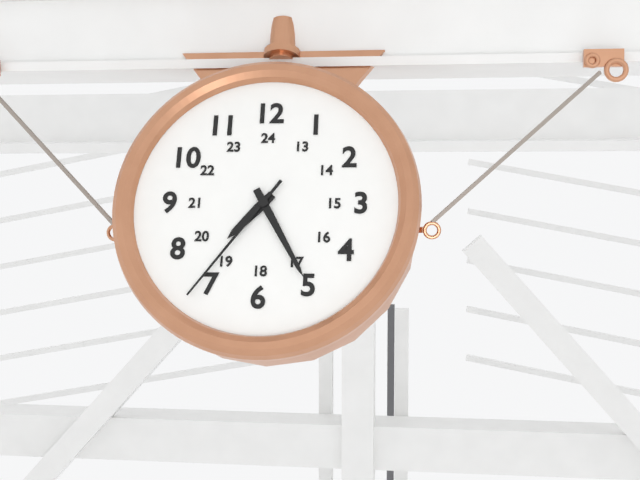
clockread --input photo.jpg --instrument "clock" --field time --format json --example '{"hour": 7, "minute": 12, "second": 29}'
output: {"hour": 7, "minute": 25, "second": 36}
